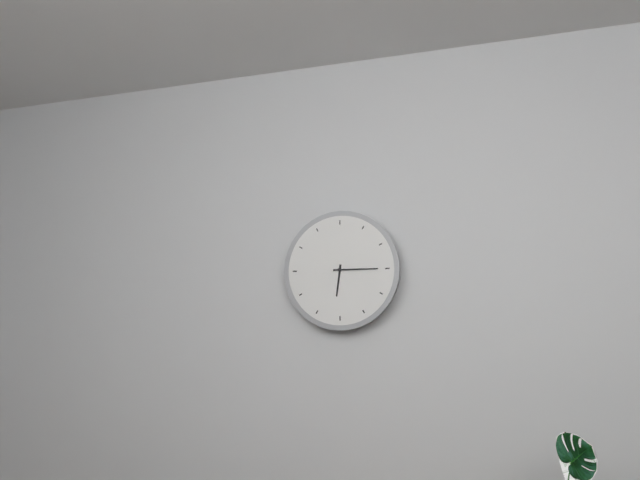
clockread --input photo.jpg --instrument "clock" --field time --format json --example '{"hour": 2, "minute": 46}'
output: {"hour": 6, "minute": 15}
